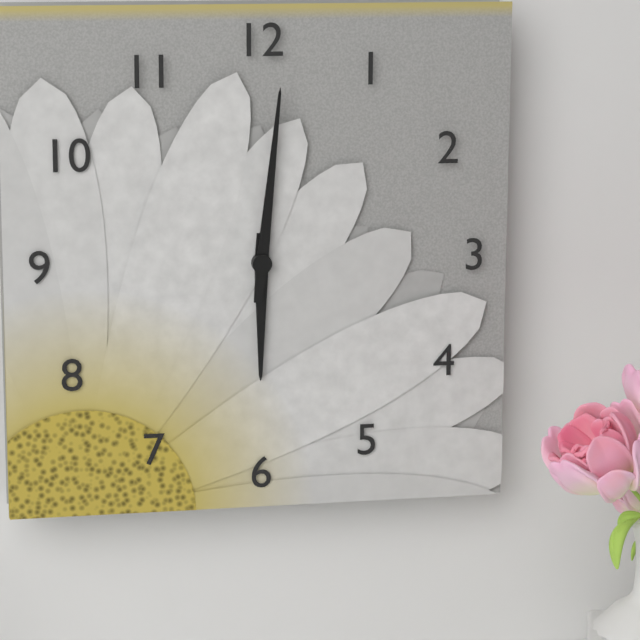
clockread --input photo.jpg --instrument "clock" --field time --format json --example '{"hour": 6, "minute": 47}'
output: {"hour": 6, "minute": 1}
